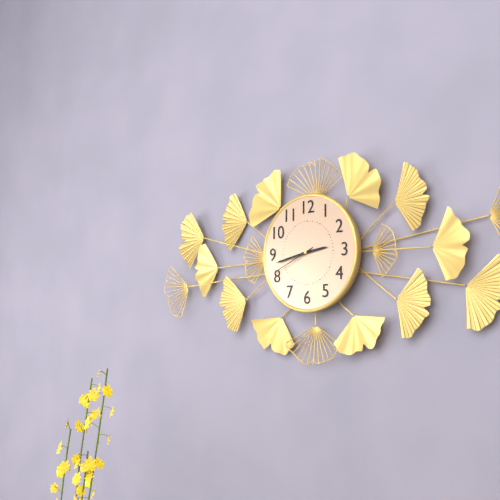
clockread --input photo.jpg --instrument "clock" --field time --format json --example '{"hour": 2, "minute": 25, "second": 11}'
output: {"hour": 2, "minute": 43, "second": 41}
